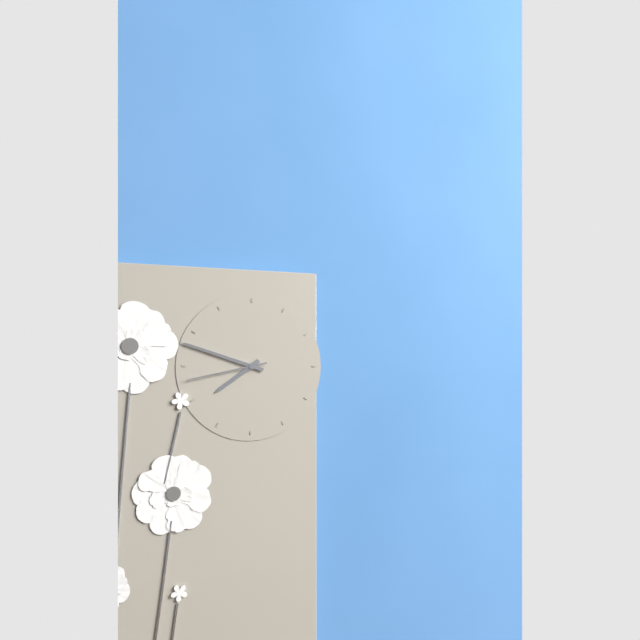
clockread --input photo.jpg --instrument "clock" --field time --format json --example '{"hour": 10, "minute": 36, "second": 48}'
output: {"hour": 7, "minute": 48, "second": 43}
